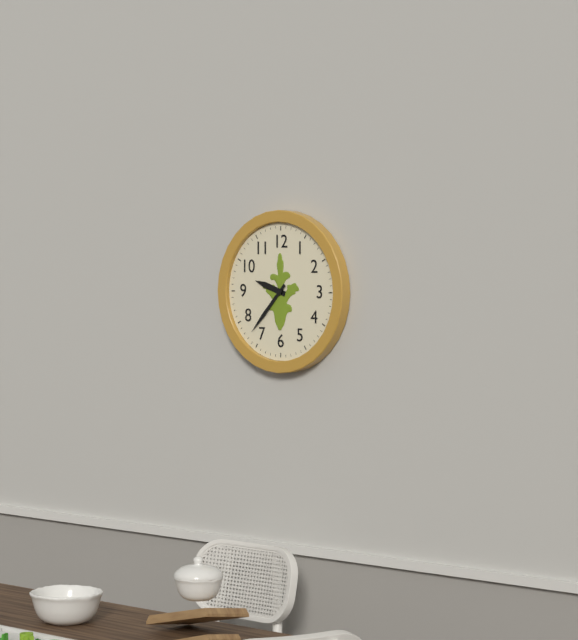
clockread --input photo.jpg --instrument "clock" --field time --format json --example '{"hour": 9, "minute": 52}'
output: {"hour": 9, "minute": 37}
